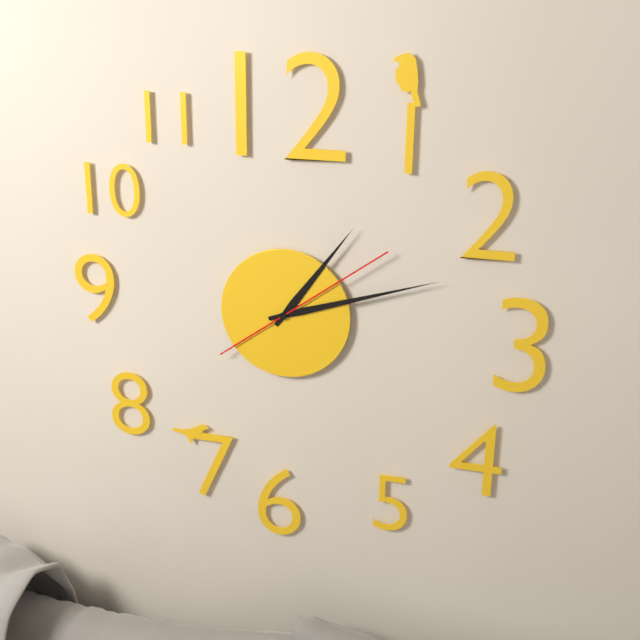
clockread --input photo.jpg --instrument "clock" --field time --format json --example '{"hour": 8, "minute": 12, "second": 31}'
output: {"hour": 1, "minute": 12, "second": 9}
